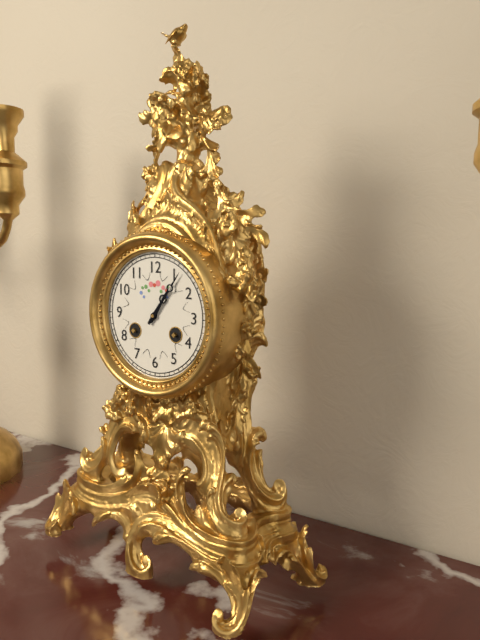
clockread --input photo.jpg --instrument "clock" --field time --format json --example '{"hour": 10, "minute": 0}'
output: {"hour": 1, "minute": 6}
